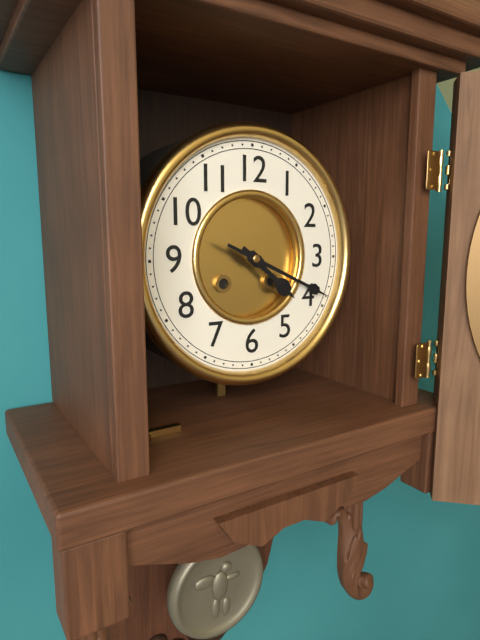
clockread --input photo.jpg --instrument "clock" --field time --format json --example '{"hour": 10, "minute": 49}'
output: {"hour": 4, "minute": 19}
